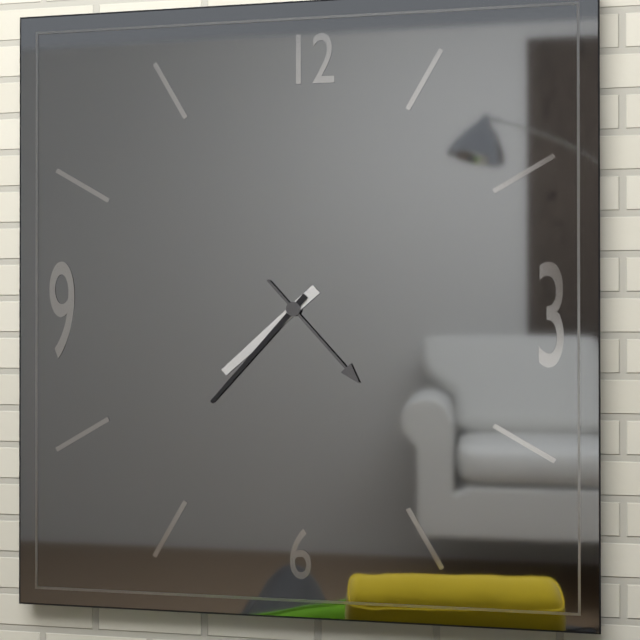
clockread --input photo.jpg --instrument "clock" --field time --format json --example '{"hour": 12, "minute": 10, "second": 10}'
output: {"hour": 7, "minute": 37, "second": 23}
